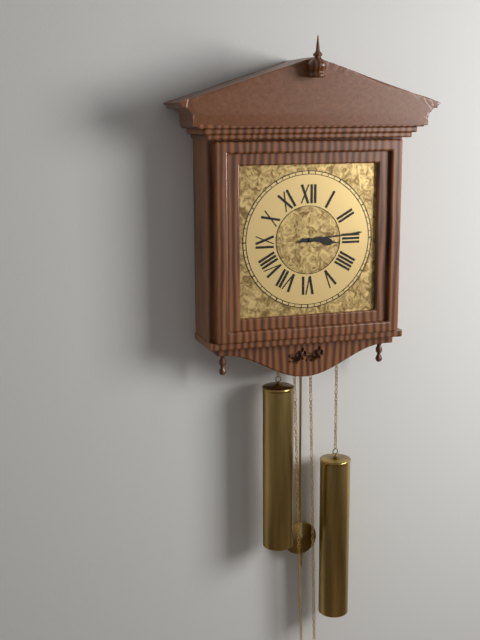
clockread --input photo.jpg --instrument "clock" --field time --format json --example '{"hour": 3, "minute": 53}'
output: {"hour": 3, "minute": 14}
